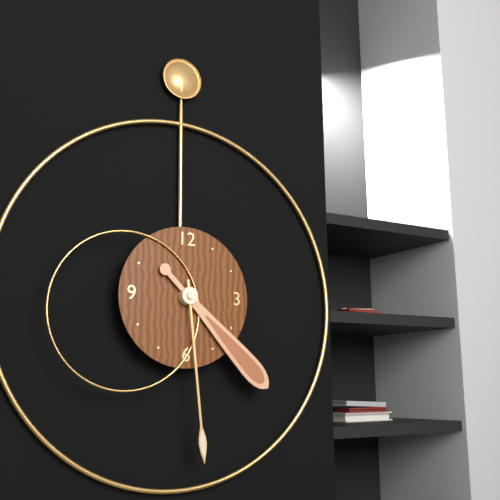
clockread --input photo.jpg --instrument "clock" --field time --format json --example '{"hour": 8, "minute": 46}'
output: {"hour": 4, "minute": 29}
